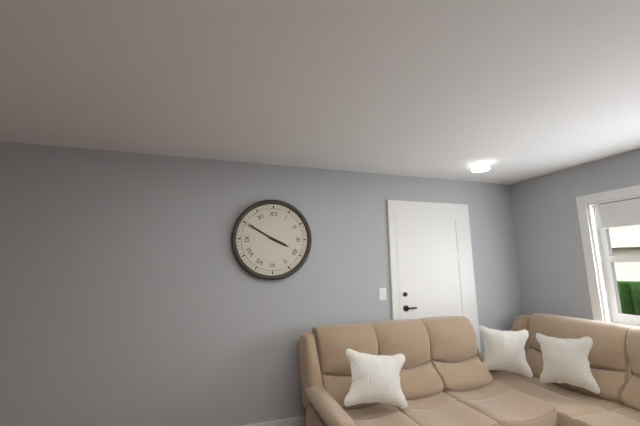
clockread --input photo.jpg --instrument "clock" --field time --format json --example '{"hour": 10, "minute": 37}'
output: {"hour": 3, "minute": 50}
